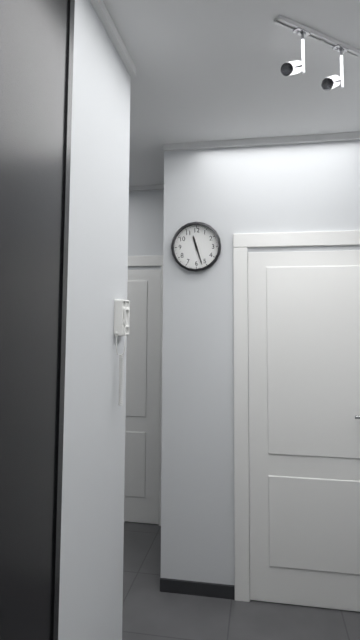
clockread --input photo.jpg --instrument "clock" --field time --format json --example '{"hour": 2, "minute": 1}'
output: {"hour": 11, "minute": 27}
